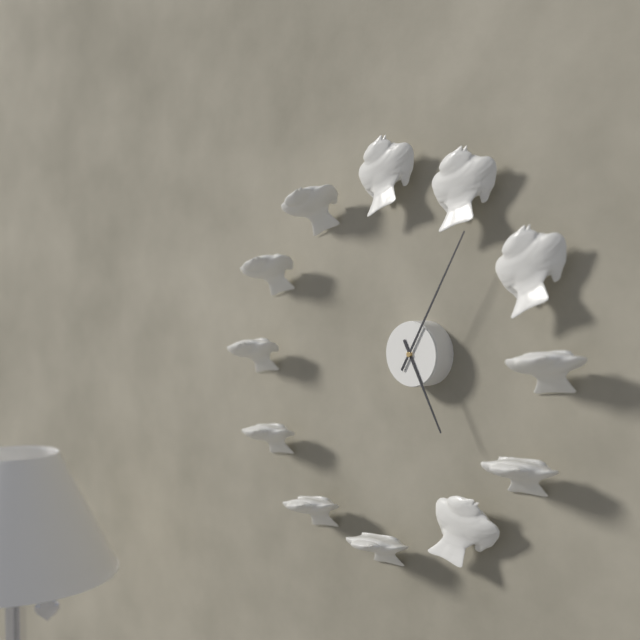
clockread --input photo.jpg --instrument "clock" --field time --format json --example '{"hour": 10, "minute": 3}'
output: {"hour": 5, "minute": 5}
